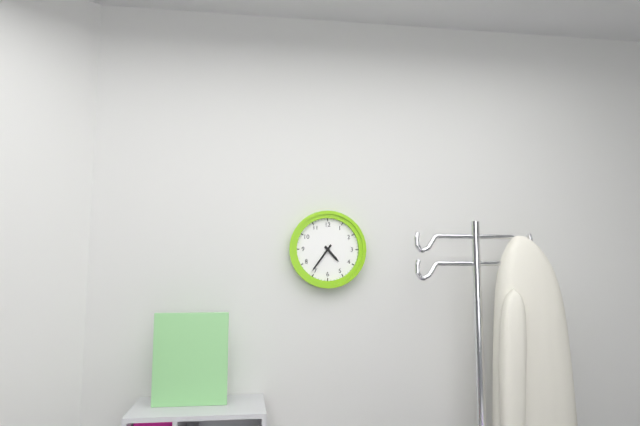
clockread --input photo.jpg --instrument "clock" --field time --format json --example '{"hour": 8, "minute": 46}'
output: {"hour": 4, "minute": 36}
